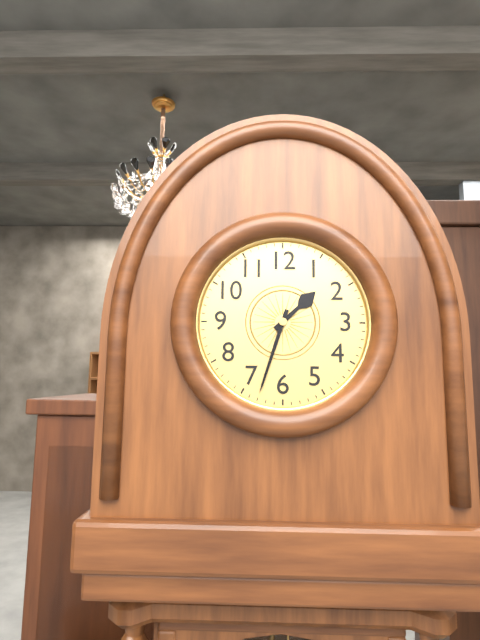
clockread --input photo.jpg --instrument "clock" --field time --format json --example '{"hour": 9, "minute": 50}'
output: {"hour": 1, "minute": 33}
